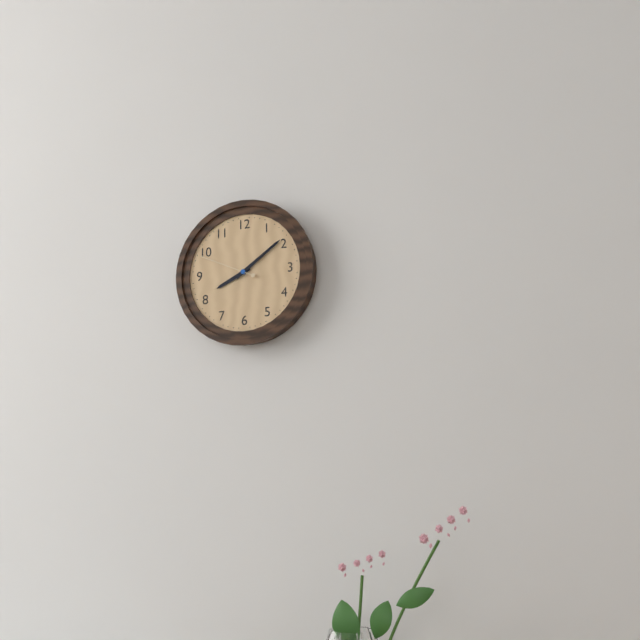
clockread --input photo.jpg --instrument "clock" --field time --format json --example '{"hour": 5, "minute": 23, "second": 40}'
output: {"hour": 8, "minute": 9, "second": 49}
